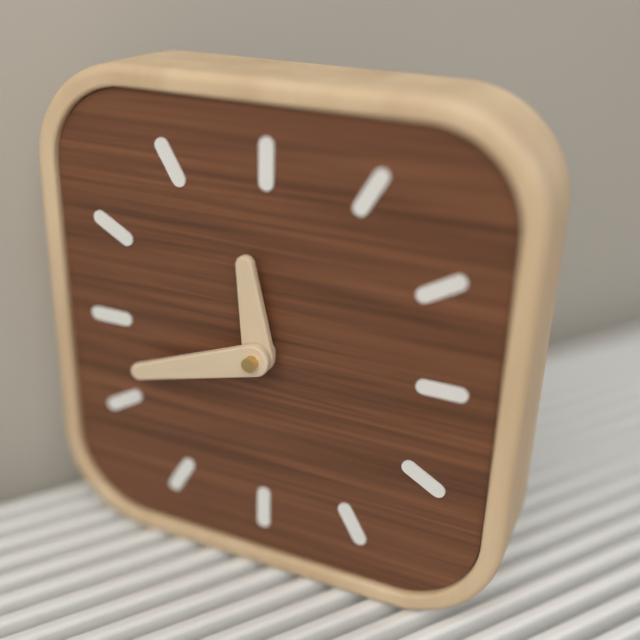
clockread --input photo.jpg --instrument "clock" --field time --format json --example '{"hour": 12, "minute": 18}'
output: {"hour": 11, "minute": 42}
